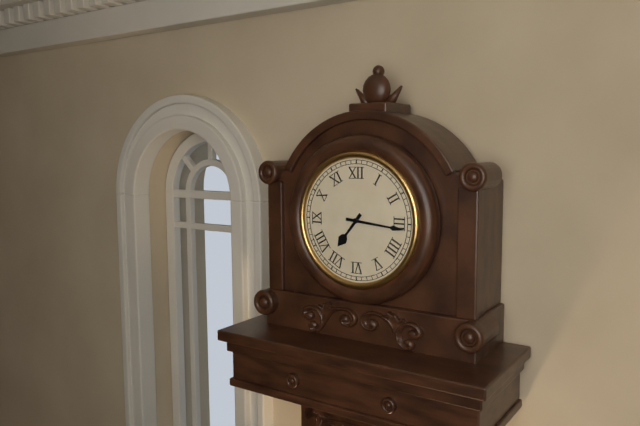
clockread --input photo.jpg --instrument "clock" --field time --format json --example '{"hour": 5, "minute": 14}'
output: {"hour": 7, "minute": 16}
